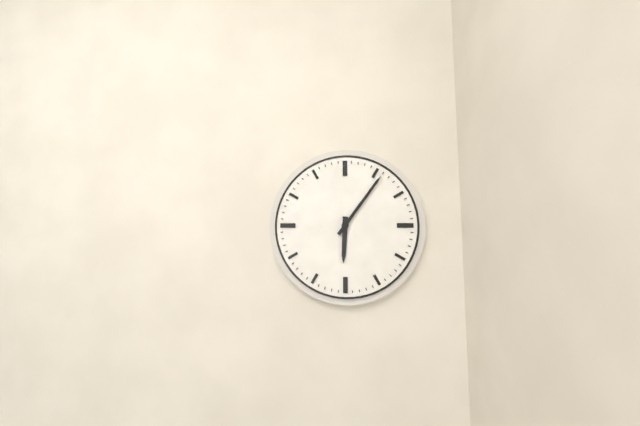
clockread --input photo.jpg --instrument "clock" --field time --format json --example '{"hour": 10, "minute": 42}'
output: {"hour": 6, "minute": 6}
